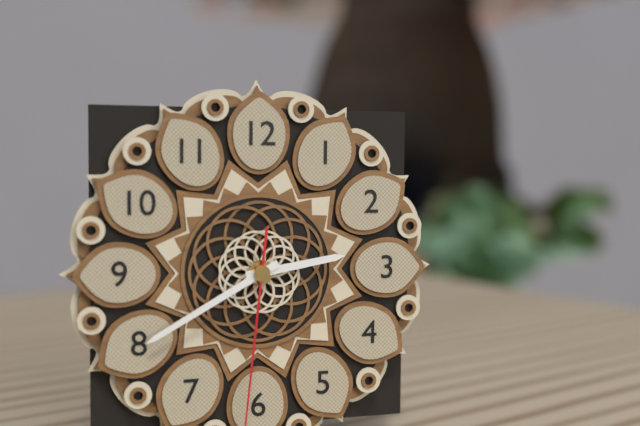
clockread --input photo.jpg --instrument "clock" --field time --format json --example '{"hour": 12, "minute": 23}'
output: {"hour": 2, "minute": 40}
